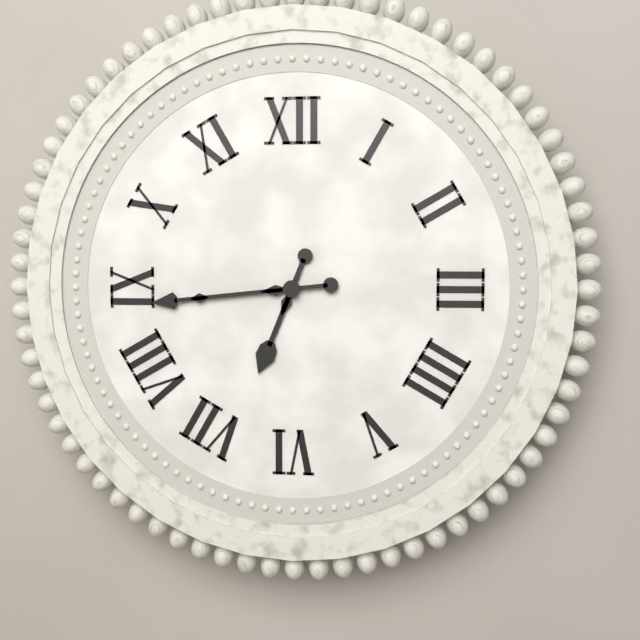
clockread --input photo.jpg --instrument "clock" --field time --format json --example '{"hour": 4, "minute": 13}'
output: {"hour": 6, "minute": 44}
